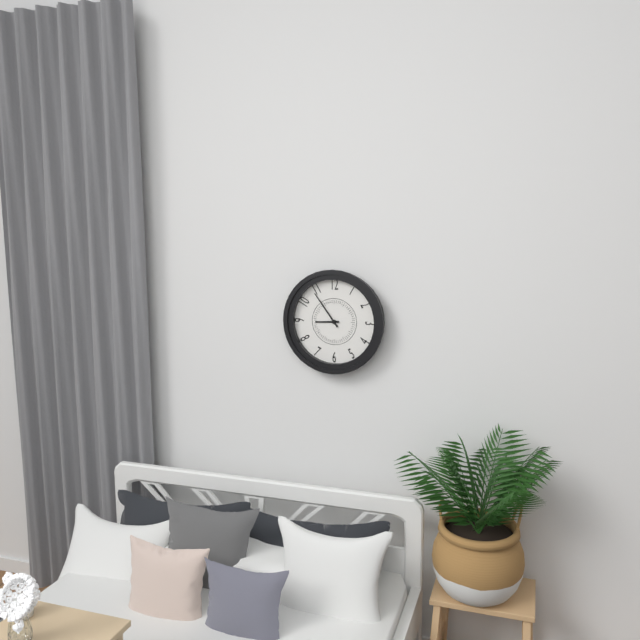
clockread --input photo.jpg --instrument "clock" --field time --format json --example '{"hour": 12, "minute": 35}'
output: {"hour": 8, "minute": 54}
